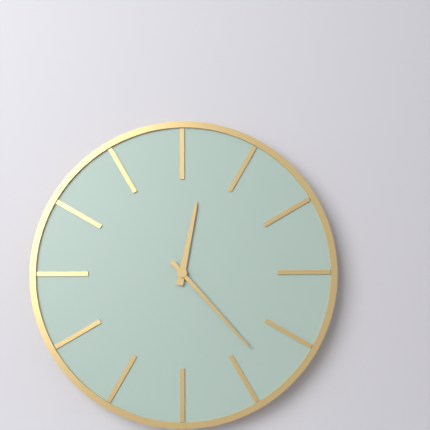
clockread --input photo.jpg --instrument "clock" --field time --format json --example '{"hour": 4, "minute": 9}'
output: {"hour": 12, "minute": 23}
